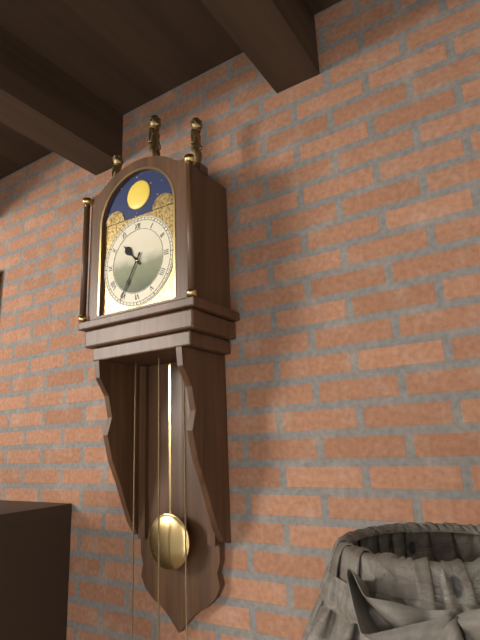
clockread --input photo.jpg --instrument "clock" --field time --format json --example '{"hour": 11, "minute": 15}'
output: {"hour": 10, "minute": 35}
